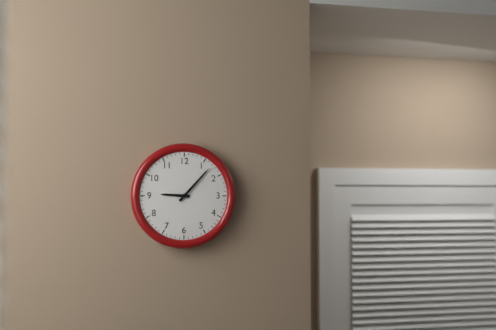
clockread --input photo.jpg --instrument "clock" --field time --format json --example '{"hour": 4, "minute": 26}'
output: {"hour": 9, "minute": 7}
